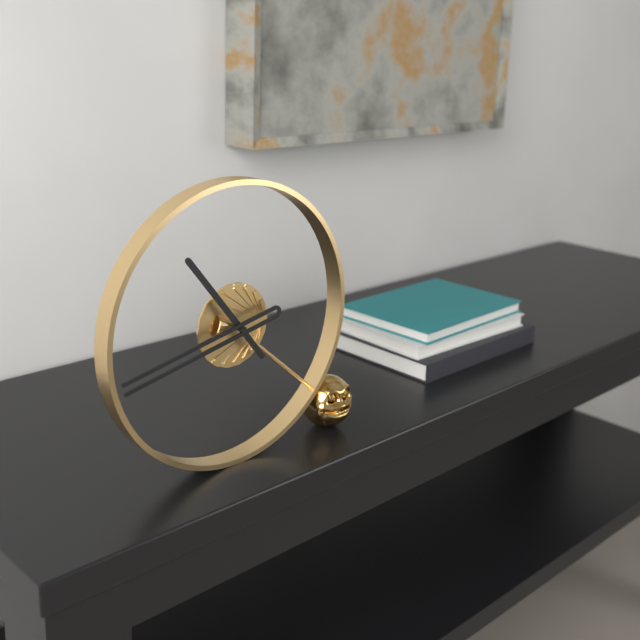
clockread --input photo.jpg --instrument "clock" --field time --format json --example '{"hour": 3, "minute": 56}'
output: {"hour": 10, "minute": 43}
